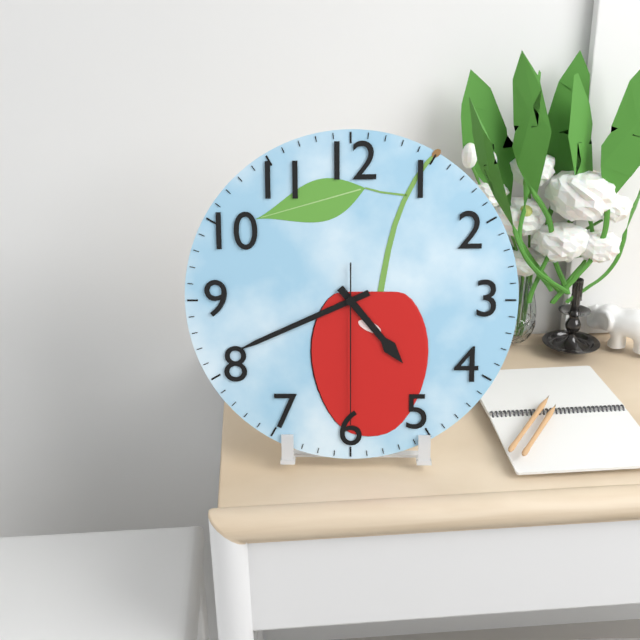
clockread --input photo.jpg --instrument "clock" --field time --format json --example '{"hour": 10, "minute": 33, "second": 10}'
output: {"hour": 4, "minute": 41, "second": 30}
